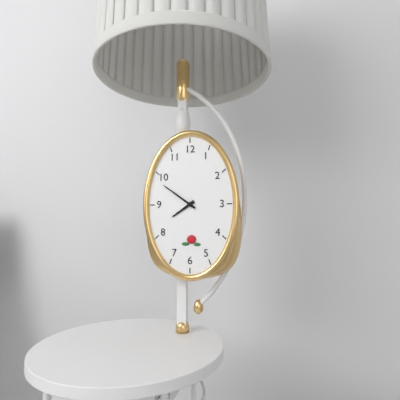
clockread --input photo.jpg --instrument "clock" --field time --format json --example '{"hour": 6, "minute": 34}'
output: {"hour": 7, "minute": 51}
